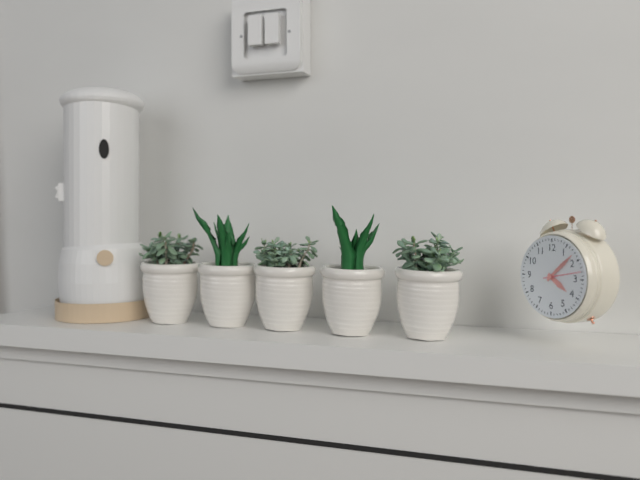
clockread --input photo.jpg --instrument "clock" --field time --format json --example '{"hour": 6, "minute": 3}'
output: {"hour": 4, "minute": 8}
